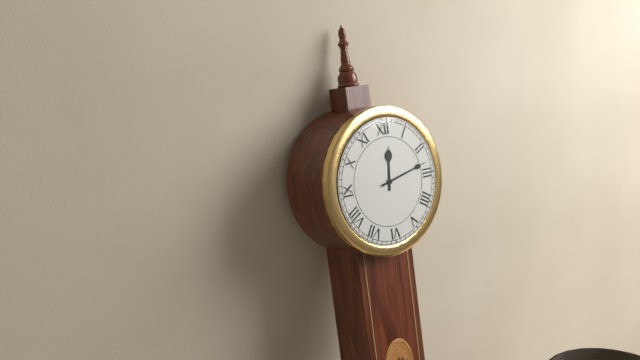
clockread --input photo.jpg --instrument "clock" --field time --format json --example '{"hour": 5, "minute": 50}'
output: {"hour": 12, "minute": 13}
